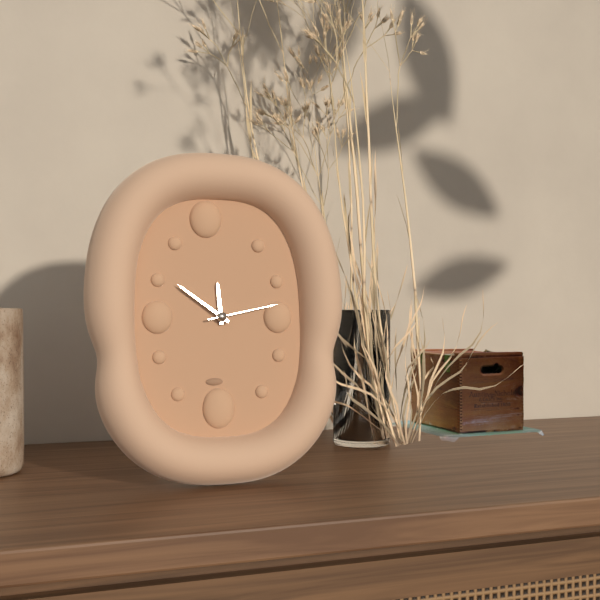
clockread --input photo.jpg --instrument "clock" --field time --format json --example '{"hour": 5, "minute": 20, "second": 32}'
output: {"hour": 11, "minute": 51, "second": 13}
